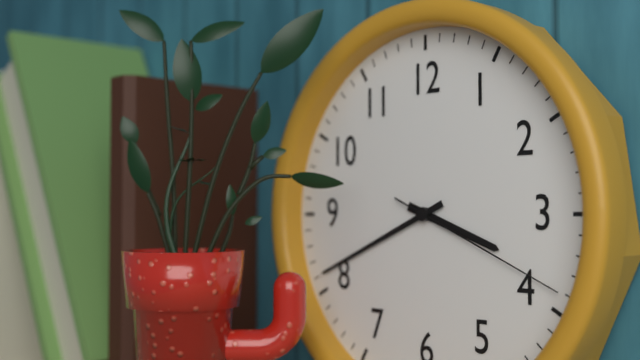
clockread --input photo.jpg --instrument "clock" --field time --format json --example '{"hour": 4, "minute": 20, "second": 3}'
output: {"hour": 3, "minute": 41, "second": 19}
